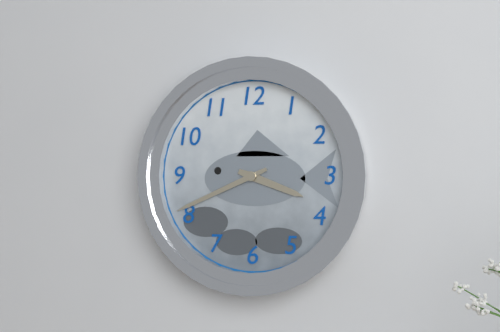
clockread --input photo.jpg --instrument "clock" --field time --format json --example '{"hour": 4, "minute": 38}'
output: {"hour": 3, "minute": 41}
